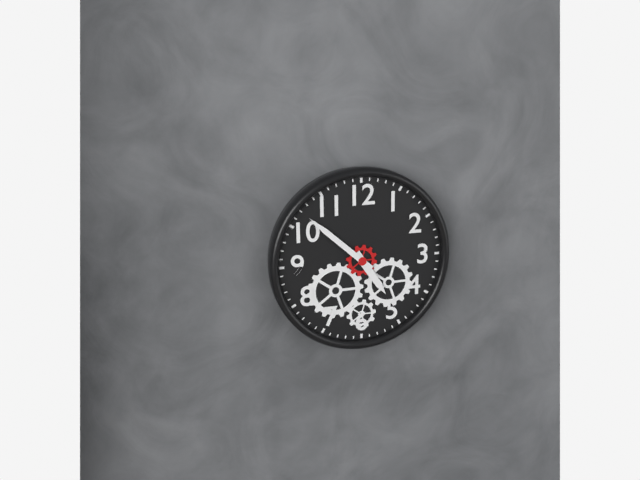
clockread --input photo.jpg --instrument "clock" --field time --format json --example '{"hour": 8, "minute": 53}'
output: {"hour": 4, "minute": 52}
